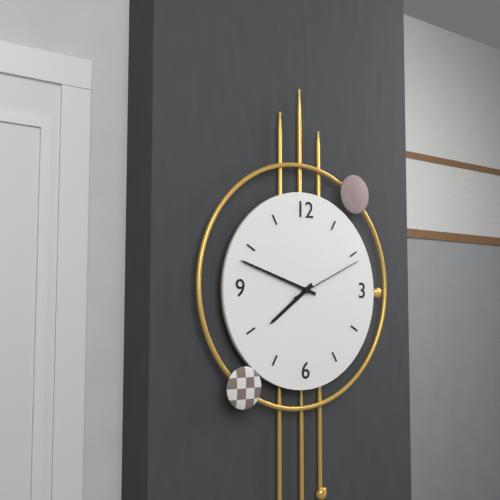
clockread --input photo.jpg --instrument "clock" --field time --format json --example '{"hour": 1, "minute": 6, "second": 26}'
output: {"hour": 7, "minute": 48, "second": 11}
